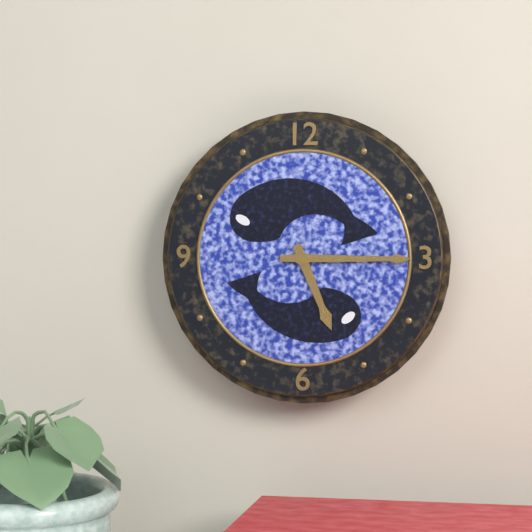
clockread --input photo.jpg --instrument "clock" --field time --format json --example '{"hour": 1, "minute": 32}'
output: {"hour": 5, "minute": 15}
